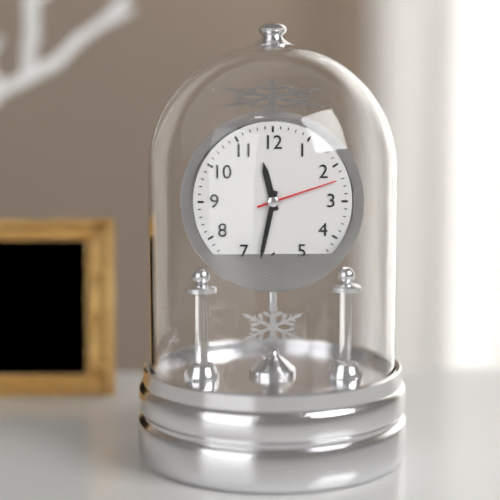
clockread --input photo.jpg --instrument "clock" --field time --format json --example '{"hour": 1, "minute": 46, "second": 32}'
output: {"hour": 11, "minute": 32, "second": 12}
